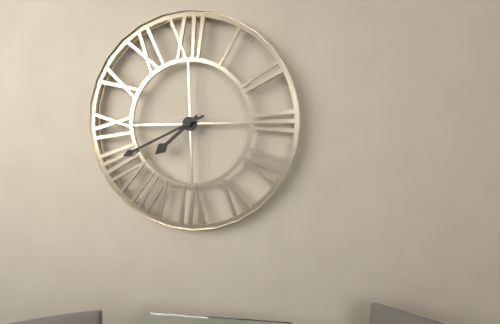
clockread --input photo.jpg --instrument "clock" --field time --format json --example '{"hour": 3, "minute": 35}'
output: {"hour": 7, "minute": 41}
